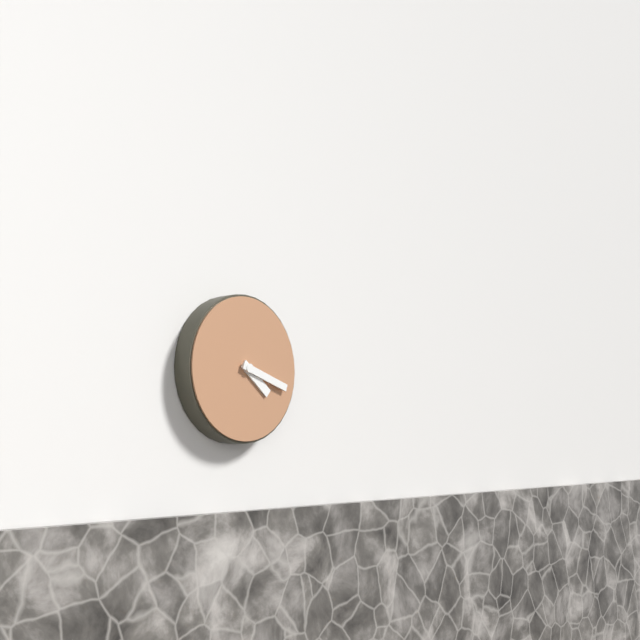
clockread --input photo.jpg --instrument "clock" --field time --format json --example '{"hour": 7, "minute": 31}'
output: {"hour": 4, "minute": 18}
